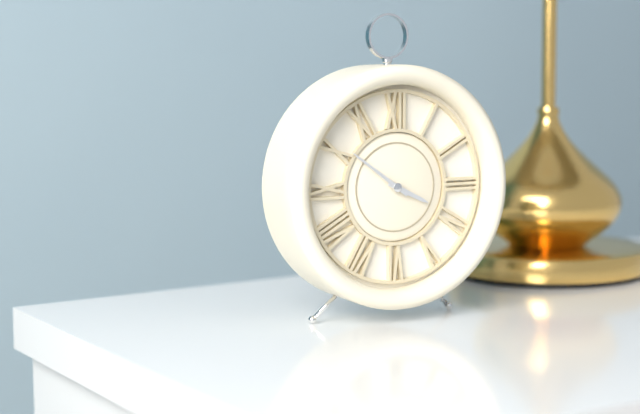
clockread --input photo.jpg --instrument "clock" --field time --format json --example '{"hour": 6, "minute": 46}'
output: {"hour": 3, "minute": 51}
